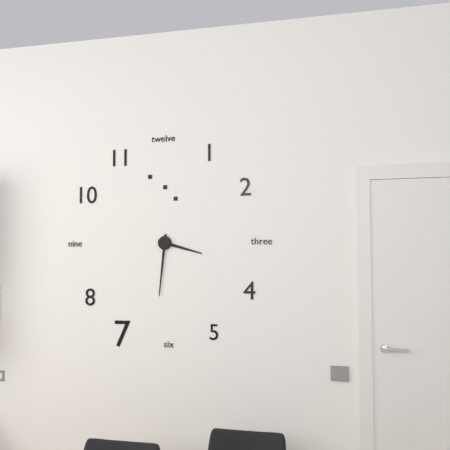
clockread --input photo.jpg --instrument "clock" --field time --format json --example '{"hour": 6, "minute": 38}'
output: {"hour": 3, "minute": 31}
